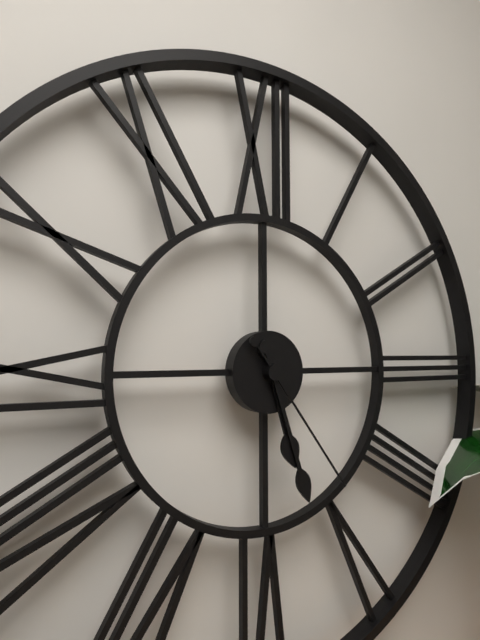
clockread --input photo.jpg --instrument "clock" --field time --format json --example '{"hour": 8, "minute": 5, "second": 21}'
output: {"hour": 5, "minute": 27, "second": 24}
